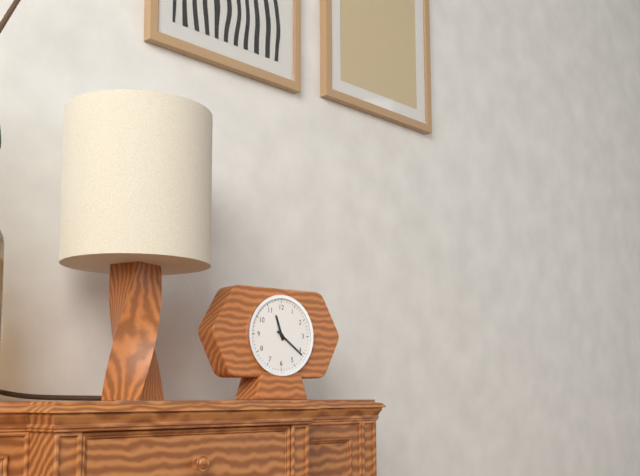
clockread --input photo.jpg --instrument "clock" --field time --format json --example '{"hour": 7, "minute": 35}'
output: {"hour": 11, "minute": 21}
